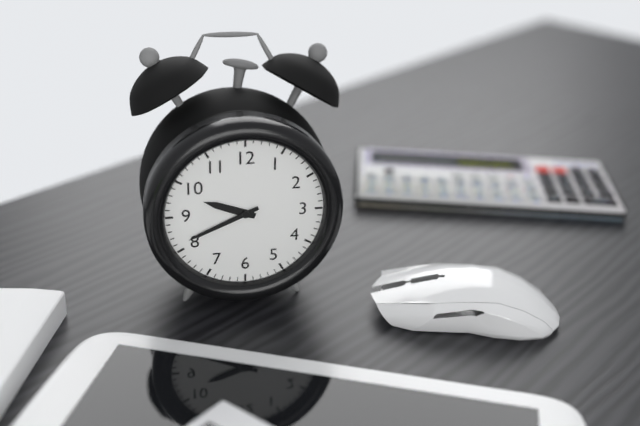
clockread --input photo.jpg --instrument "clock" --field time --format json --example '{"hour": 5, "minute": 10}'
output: {"hour": 9, "minute": 41}
